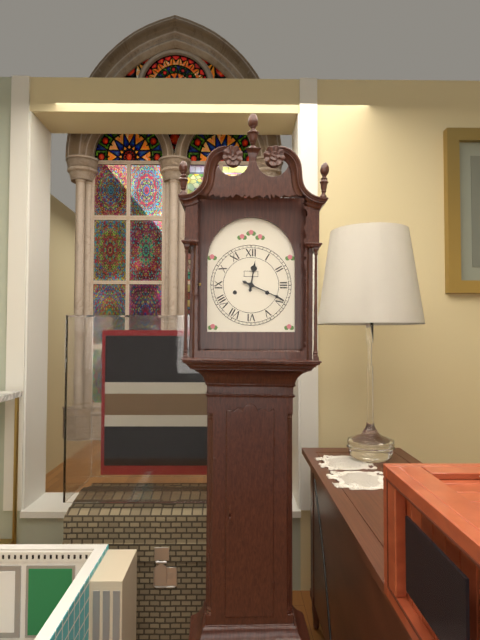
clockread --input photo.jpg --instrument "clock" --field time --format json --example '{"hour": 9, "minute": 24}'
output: {"hour": 12, "minute": 19}
